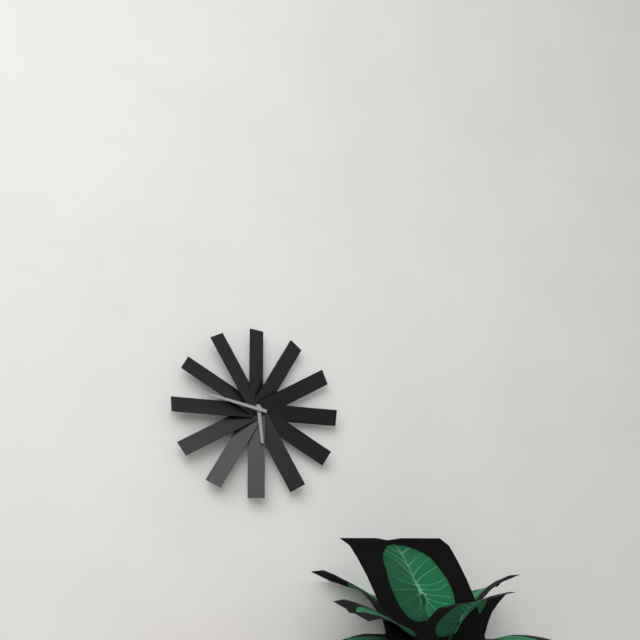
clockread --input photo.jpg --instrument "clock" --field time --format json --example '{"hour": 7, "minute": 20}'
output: {"hour": 5, "minute": 47}
